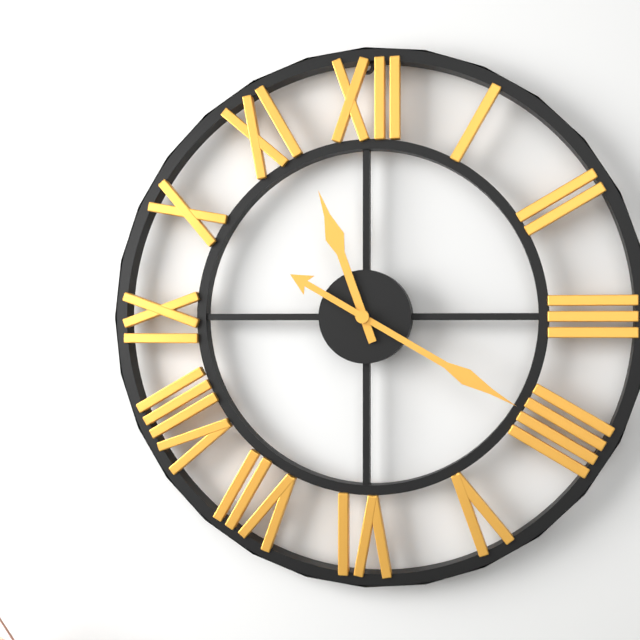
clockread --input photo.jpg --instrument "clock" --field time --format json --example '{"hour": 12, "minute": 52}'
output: {"hour": 11, "minute": 20}
